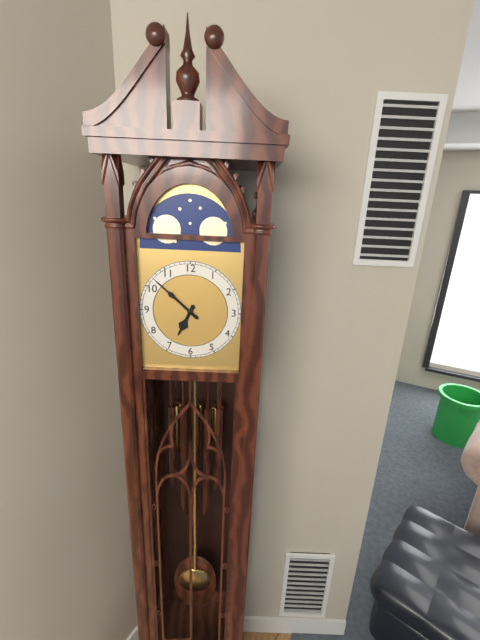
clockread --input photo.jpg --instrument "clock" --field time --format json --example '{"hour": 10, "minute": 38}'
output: {"hour": 6, "minute": 52}
